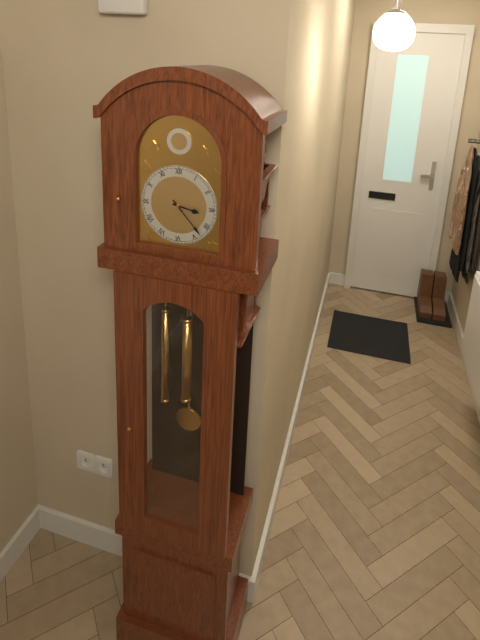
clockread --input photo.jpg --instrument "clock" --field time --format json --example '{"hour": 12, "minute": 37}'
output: {"hour": 3, "minute": 23}
